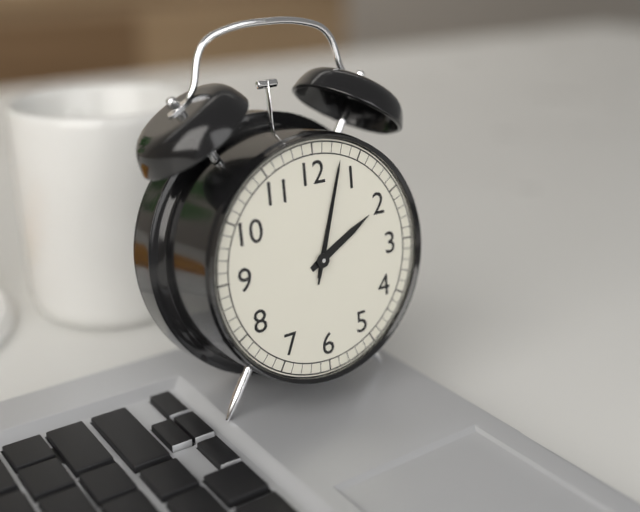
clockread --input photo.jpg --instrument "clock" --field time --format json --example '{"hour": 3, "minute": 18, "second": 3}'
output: {"hour": 2, "minute": 3, "second": 3}
